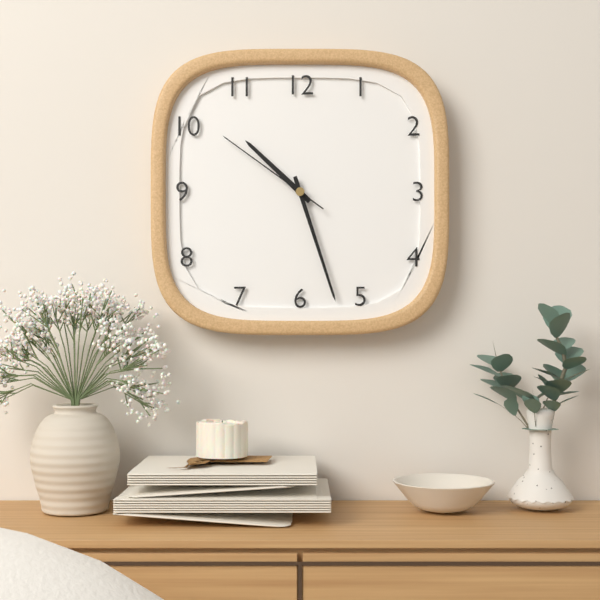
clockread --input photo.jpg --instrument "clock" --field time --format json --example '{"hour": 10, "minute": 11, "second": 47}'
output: {"hour": 10, "minute": 27, "second": 51}
